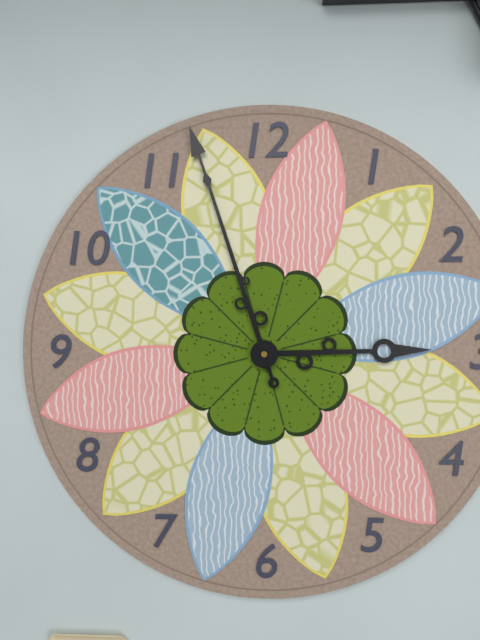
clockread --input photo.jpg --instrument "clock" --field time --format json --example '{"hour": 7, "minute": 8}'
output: {"hour": 2, "minute": 57}
